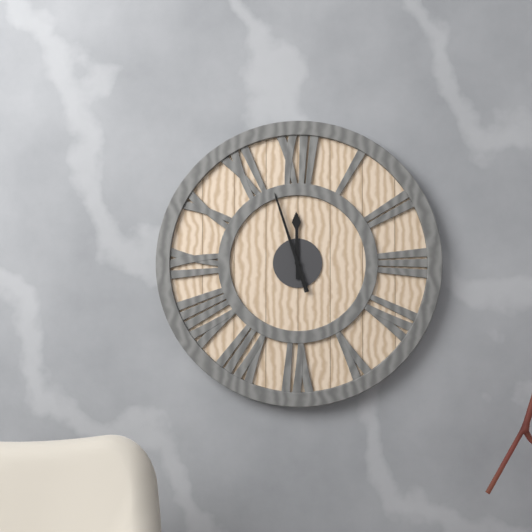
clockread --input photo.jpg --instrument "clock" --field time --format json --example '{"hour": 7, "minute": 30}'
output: {"hour": 11, "minute": 57}
